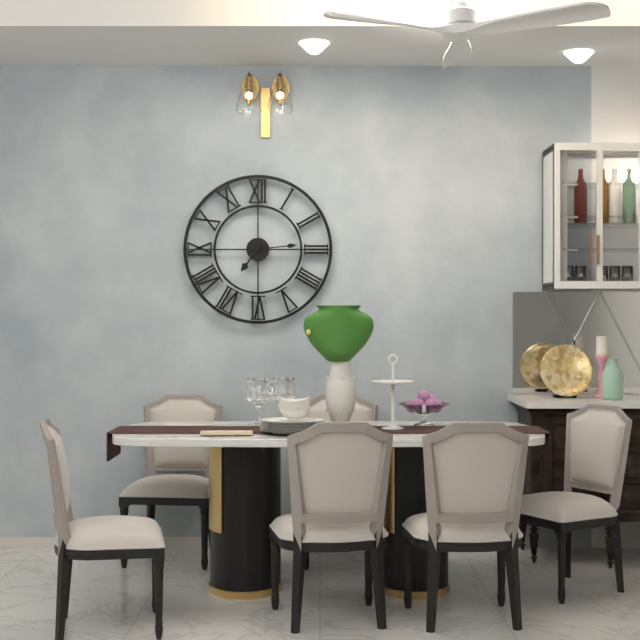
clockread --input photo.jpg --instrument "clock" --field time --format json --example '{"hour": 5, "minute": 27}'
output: {"hour": 7, "minute": 14}
